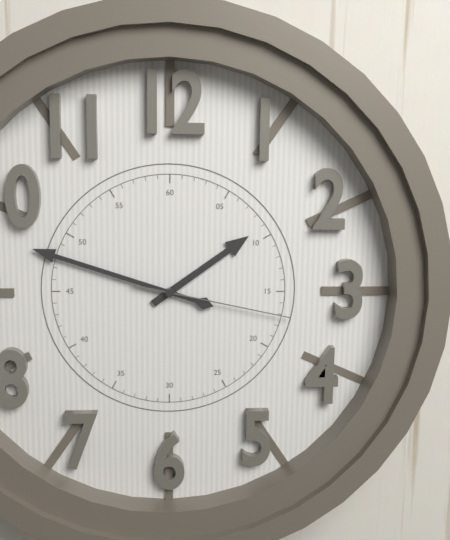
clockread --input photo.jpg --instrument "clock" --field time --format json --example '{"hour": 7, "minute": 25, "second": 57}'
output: {"hour": 1, "minute": 48, "second": 17}
